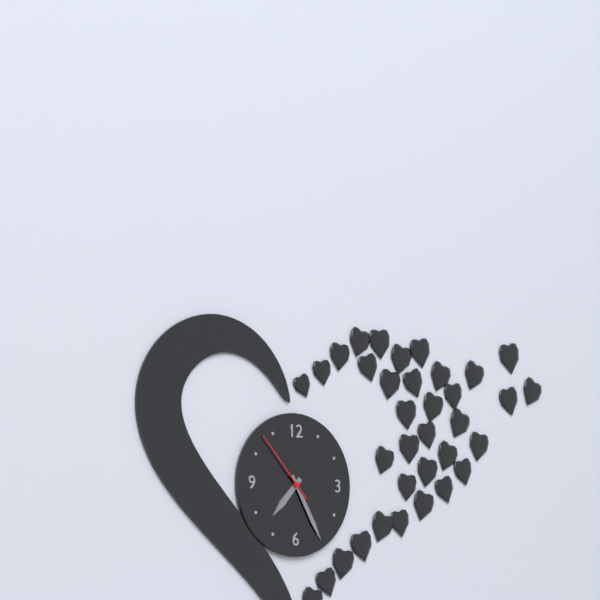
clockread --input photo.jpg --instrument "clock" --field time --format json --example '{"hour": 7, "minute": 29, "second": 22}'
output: {"hour": 7, "minute": 25, "second": 53}
